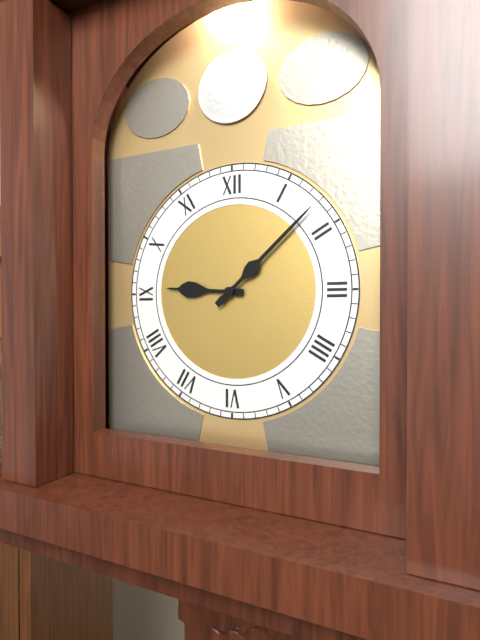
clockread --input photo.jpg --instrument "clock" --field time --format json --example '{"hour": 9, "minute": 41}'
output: {"hour": 9, "minute": 8}
